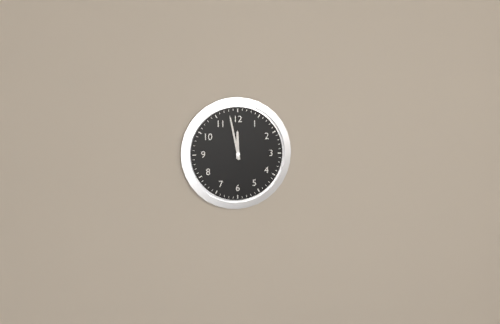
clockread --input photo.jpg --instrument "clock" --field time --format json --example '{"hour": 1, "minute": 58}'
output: {"hour": 11, "minute": 58}
